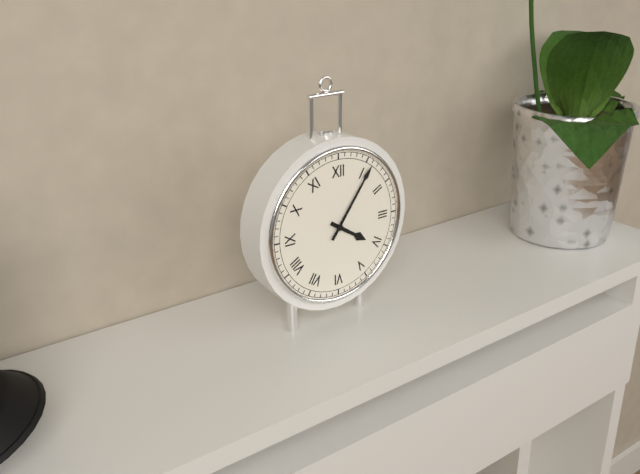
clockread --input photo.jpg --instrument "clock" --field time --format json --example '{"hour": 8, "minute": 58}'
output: {"hour": 4, "minute": 6}
